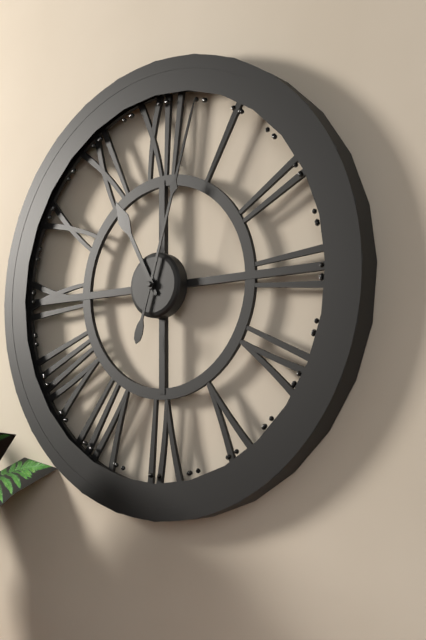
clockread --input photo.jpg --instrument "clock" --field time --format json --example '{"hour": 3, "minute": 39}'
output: {"hour": 11, "minute": 3}
